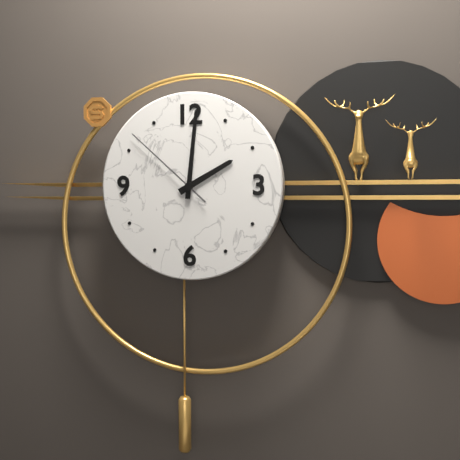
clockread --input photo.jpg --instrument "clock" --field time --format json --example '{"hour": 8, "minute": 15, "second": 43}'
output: {"hour": 2, "minute": 1, "second": 52}
